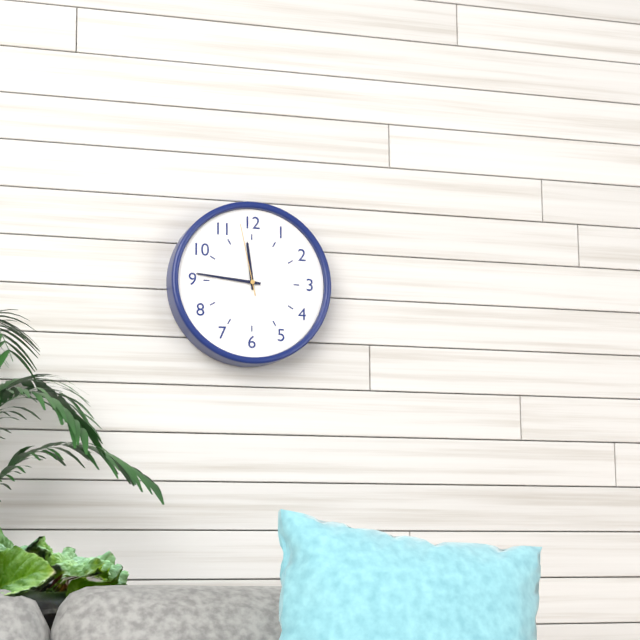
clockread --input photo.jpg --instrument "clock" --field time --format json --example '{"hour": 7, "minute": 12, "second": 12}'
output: {"hour": 11, "minute": 46, "second": 58}
